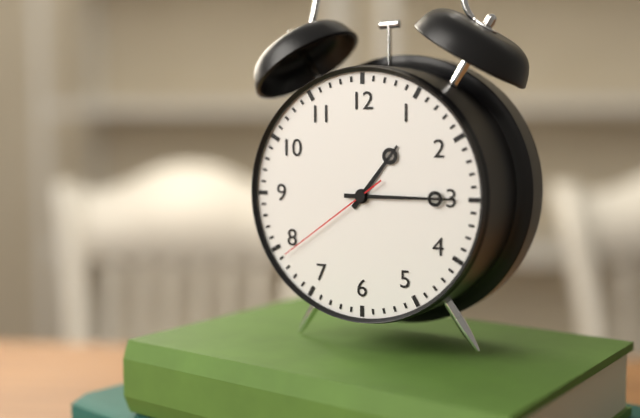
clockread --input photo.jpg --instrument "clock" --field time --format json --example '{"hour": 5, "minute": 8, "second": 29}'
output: {"hour": 1, "minute": 15, "second": 39}
